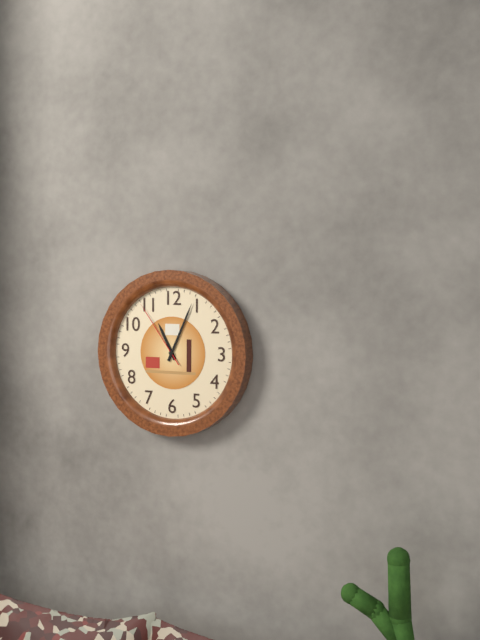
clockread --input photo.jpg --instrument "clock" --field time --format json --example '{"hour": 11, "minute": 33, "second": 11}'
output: {"hour": 11, "minute": 4, "second": 54}
